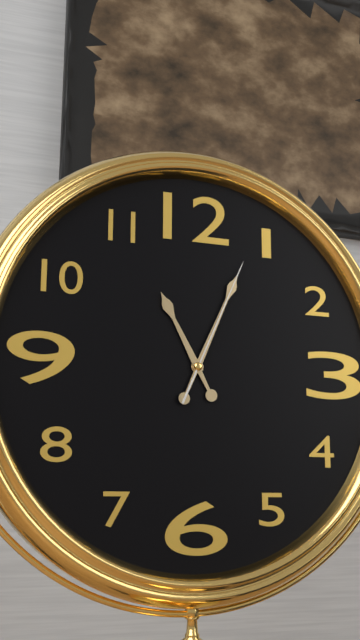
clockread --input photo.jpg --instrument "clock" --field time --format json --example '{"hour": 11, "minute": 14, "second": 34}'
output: {"hour": 11, "minute": 4, "second": 4}
